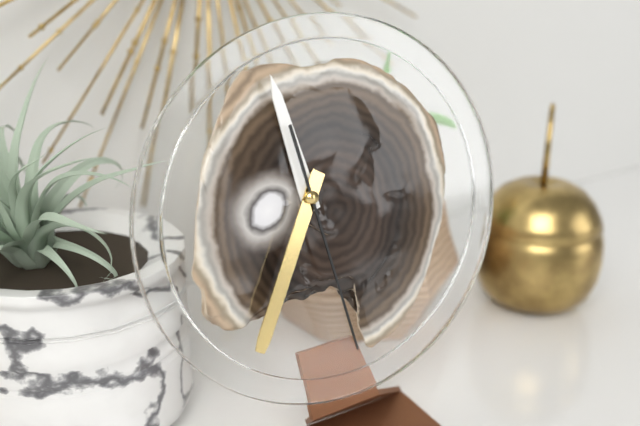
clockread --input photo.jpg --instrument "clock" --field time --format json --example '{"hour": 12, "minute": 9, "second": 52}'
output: {"hour": 11, "minute": 35, "second": 28}
